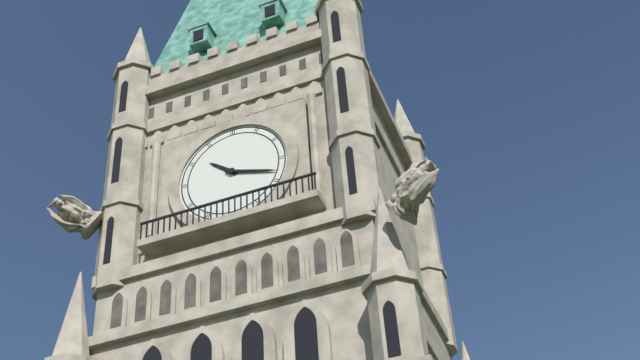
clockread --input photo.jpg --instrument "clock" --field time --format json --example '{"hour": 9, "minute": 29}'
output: {"hour": 10, "minute": 18}
